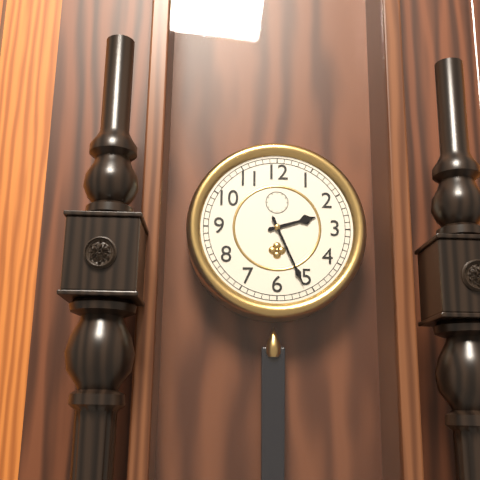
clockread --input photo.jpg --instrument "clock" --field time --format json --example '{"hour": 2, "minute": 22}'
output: {"hour": 2, "minute": 26}
